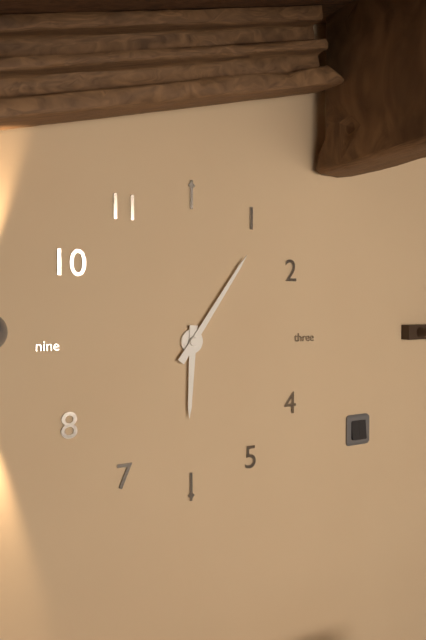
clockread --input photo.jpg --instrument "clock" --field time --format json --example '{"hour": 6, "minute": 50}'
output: {"hour": 6, "minute": 6}
